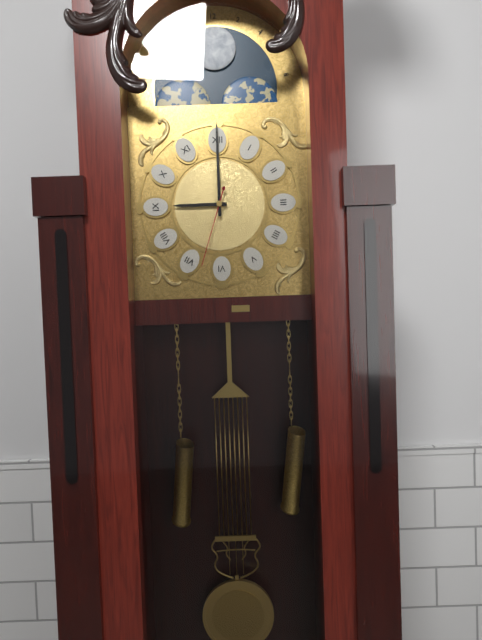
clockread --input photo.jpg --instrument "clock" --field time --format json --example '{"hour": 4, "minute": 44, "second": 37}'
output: {"hour": 9, "minute": 0, "second": 33}
